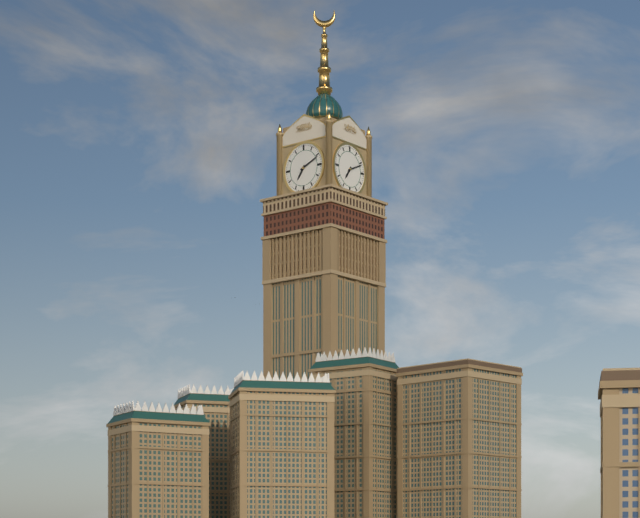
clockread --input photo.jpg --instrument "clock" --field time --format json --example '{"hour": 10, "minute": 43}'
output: {"hour": 7, "minute": 11}
